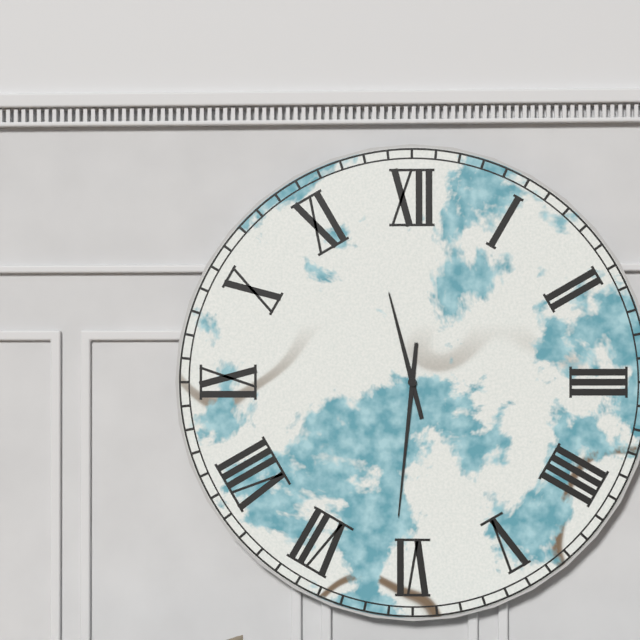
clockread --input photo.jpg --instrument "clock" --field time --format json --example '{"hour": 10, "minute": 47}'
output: {"hour": 11, "minute": 31}
